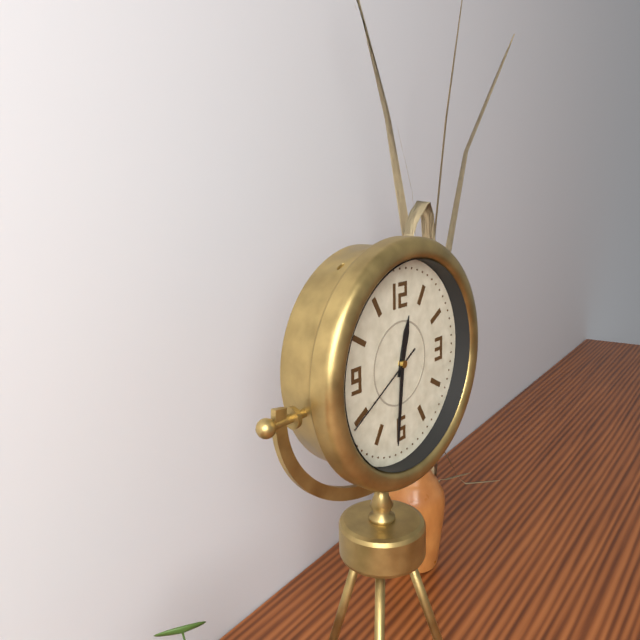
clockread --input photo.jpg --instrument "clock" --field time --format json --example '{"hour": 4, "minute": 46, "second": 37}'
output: {"hour": 12, "minute": 31, "second": 40}
